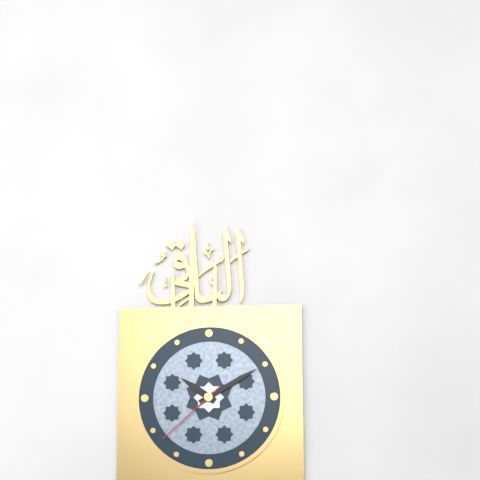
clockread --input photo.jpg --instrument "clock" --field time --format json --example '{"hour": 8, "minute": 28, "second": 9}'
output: {"hour": 10, "minute": 10, "second": 38}
